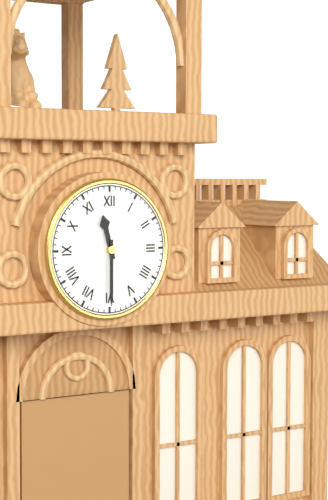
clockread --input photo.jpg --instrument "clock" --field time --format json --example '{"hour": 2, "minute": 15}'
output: {"hour": 11, "minute": 30}
